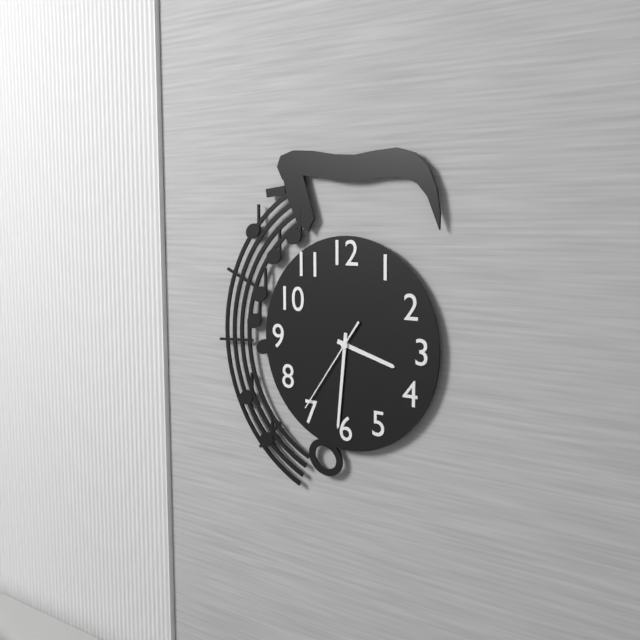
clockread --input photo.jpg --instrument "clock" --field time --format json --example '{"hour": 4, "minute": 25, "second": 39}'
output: {"hour": 3, "minute": 31, "second": 36}
